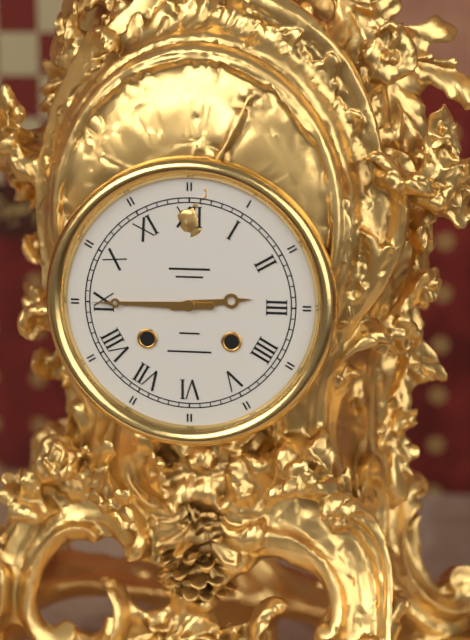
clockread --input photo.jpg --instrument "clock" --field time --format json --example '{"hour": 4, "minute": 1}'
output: {"hour": 2, "minute": 45}
